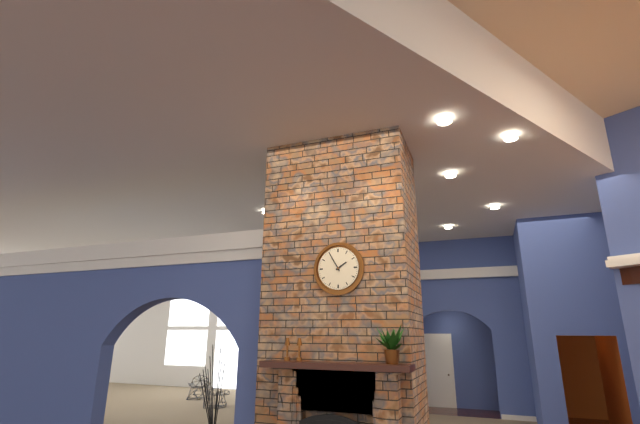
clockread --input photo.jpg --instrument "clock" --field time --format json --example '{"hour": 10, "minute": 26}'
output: {"hour": 1, "minute": 55}
